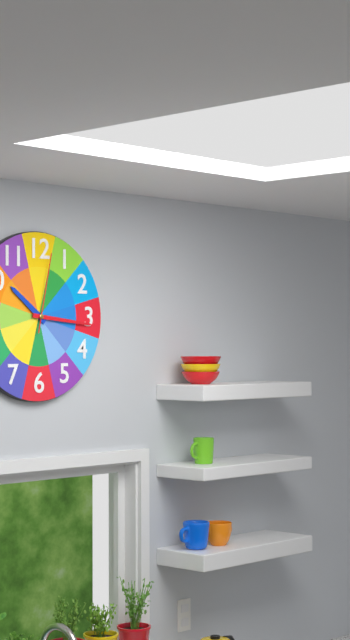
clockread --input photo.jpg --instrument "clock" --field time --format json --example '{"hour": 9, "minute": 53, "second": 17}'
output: {"hour": 10, "minute": 16, "second": 2}
